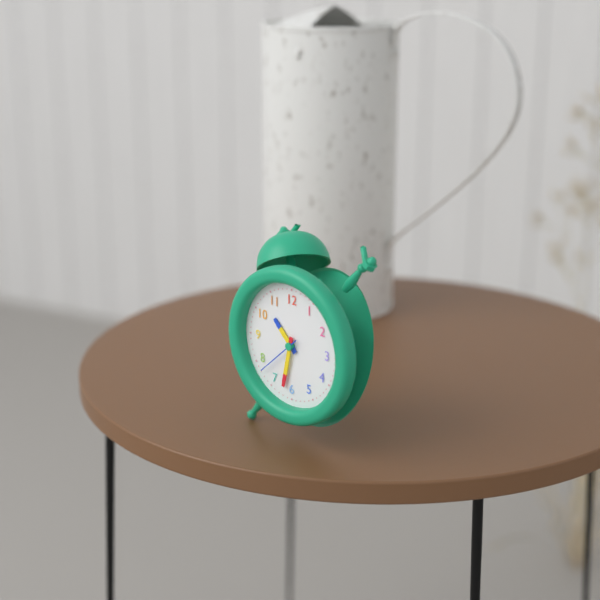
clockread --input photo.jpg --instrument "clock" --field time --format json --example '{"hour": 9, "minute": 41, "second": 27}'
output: {"hour": 10, "minute": 32, "second": 38}
